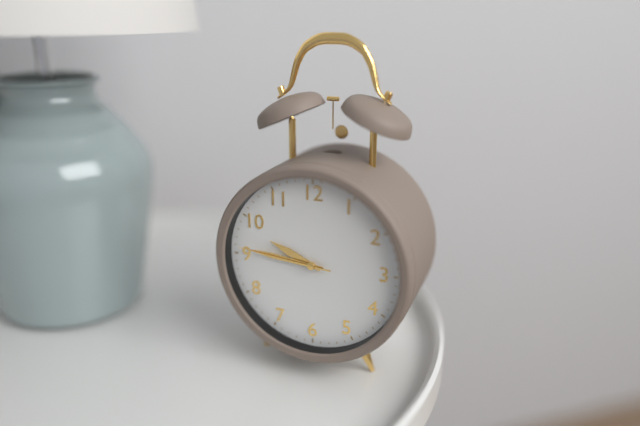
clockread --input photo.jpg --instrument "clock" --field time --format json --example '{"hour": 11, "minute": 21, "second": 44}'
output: {"hour": 9, "minute": 46, "second": 46}
